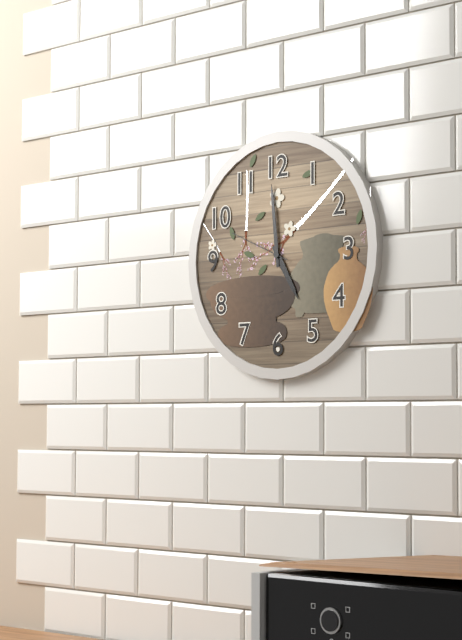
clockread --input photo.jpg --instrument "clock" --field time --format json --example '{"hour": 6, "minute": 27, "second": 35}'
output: {"hour": 4, "minute": 59, "second": 49}
